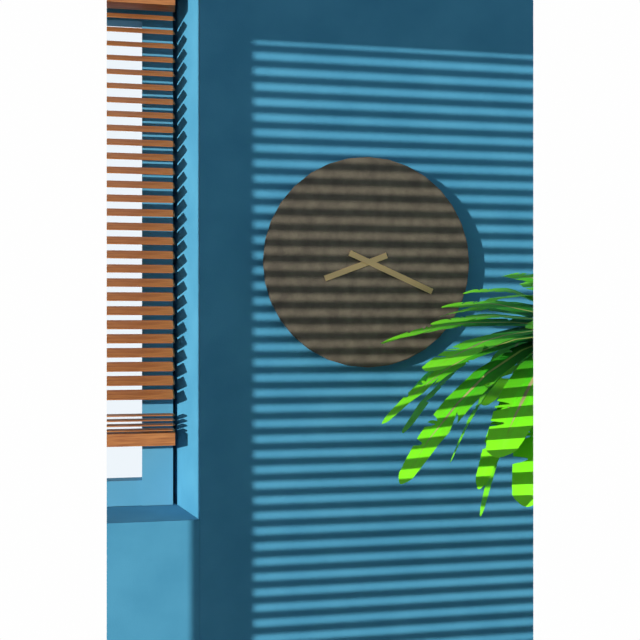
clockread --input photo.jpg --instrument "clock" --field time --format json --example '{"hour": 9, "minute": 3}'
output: {"hour": 8, "minute": 19}
